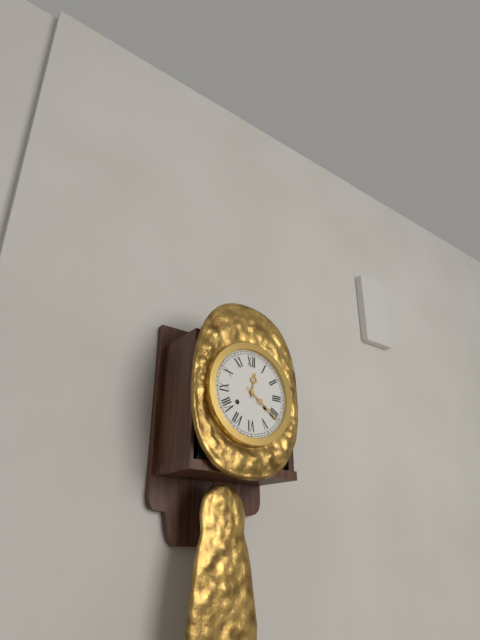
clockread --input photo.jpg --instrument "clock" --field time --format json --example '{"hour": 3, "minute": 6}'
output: {"hour": 12, "minute": 21}
